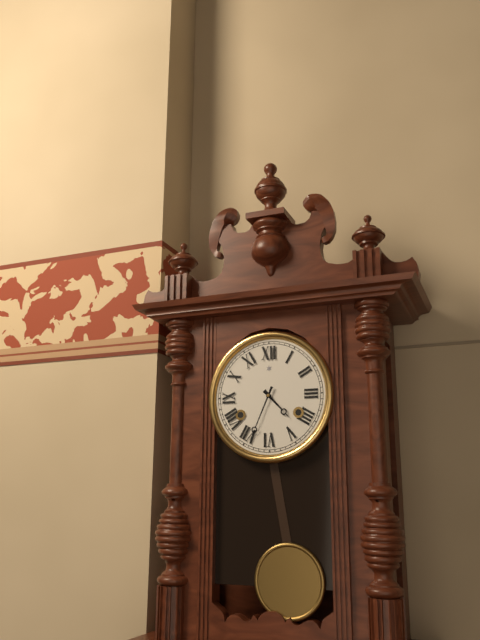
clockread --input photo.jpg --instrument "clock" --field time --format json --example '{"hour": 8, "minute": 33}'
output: {"hour": 4, "minute": 34}
